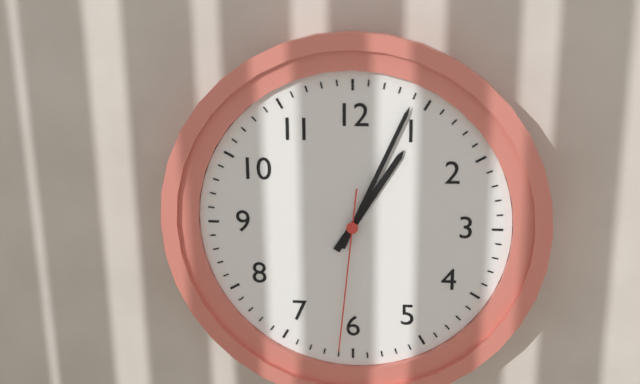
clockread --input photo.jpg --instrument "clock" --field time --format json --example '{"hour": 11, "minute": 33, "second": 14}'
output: {"hour": 1, "minute": 4, "second": 31}
